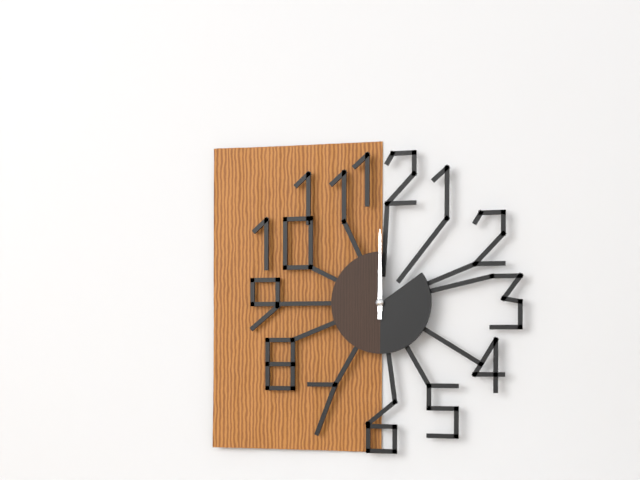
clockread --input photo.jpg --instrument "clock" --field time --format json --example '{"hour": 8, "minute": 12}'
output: {"hour": 12, "minute": 0}
